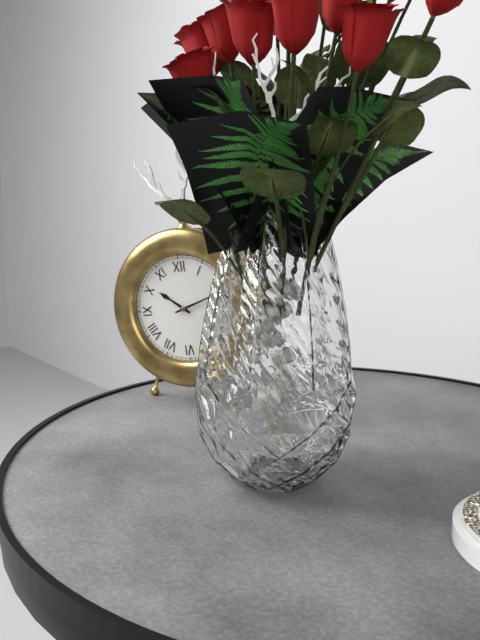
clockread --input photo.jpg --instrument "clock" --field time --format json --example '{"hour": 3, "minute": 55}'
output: {"hour": 10, "minute": 12}
